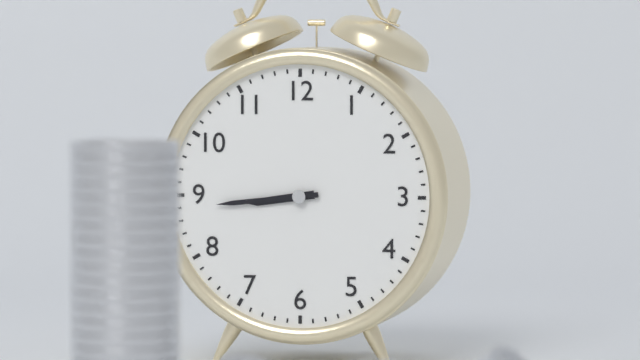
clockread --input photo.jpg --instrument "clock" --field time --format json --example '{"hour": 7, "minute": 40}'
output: {"hour": 8, "minute": 44}
